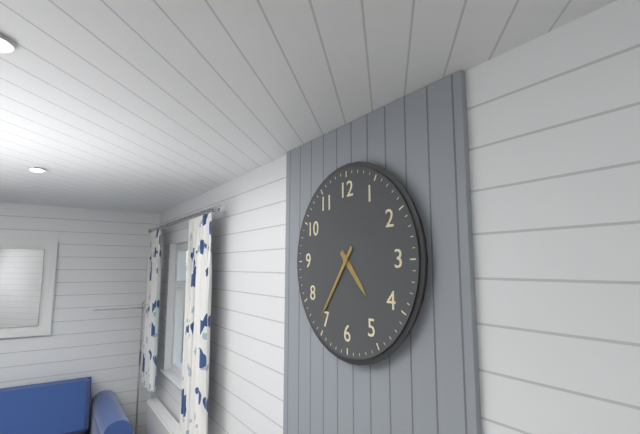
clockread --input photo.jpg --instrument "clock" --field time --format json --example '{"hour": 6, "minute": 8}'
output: {"hour": 4, "minute": 36}
